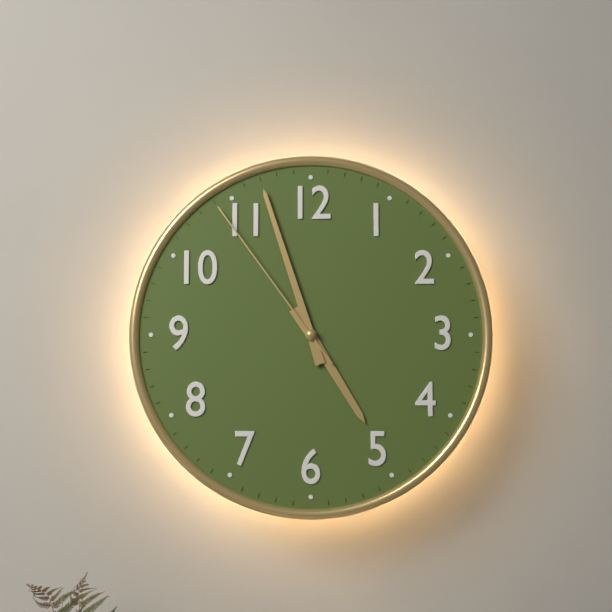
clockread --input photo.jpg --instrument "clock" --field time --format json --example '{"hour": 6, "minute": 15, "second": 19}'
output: {"hour": 4, "minute": 57, "second": 54}
